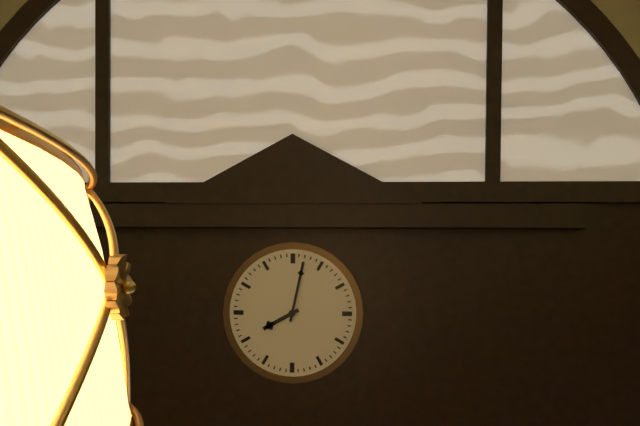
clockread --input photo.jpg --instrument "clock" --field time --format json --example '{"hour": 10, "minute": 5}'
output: {"hour": 8, "minute": 2}
